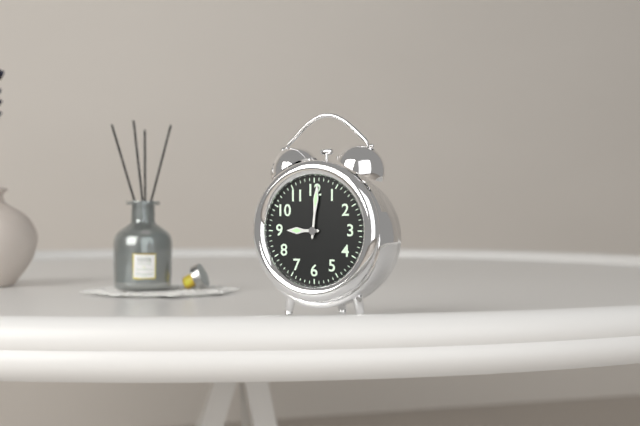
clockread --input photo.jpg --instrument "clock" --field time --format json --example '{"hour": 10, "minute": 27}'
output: {"hour": 9, "minute": 1}
